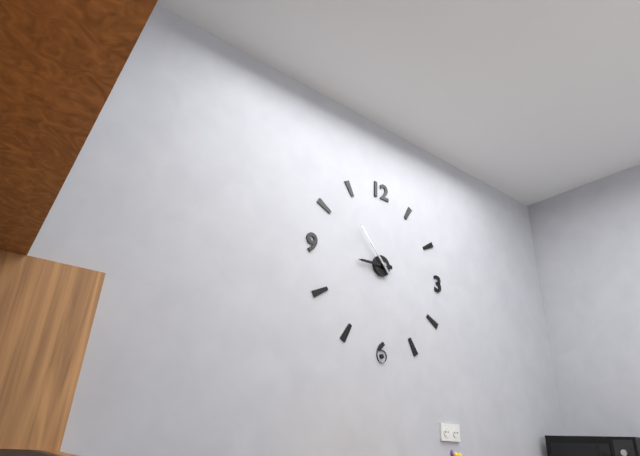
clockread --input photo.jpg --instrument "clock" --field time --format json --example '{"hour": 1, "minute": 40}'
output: {"hour": 8, "minute": 53}
